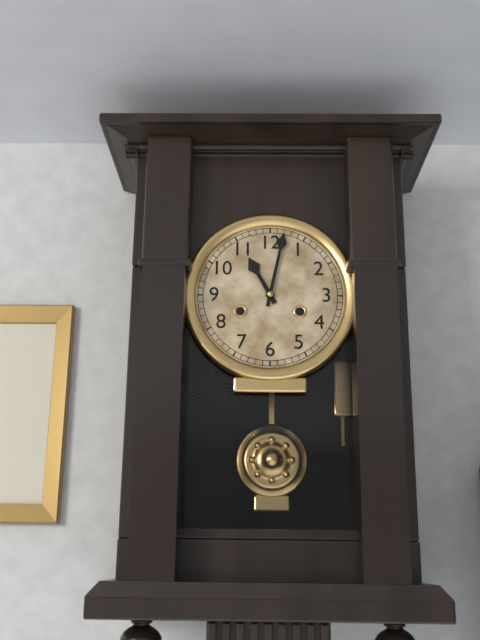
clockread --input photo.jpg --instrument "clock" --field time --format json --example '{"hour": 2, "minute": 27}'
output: {"hour": 11, "minute": 2}
